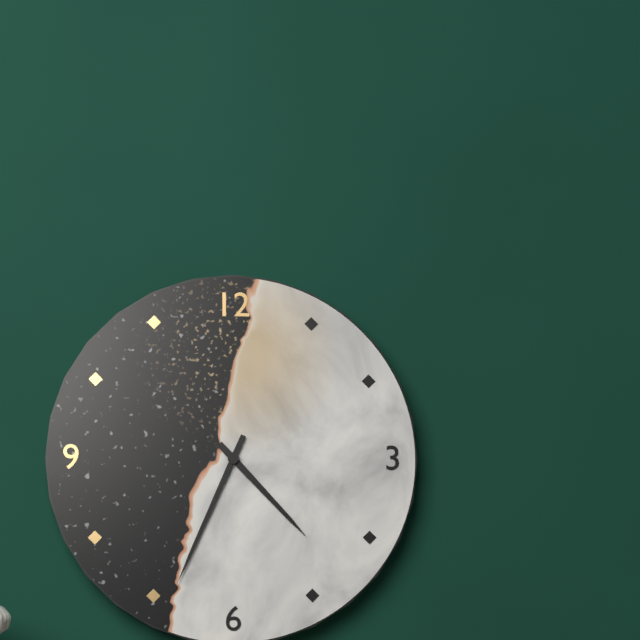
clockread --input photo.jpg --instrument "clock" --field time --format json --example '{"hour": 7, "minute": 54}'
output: {"hour": 4, "minute": 34}
